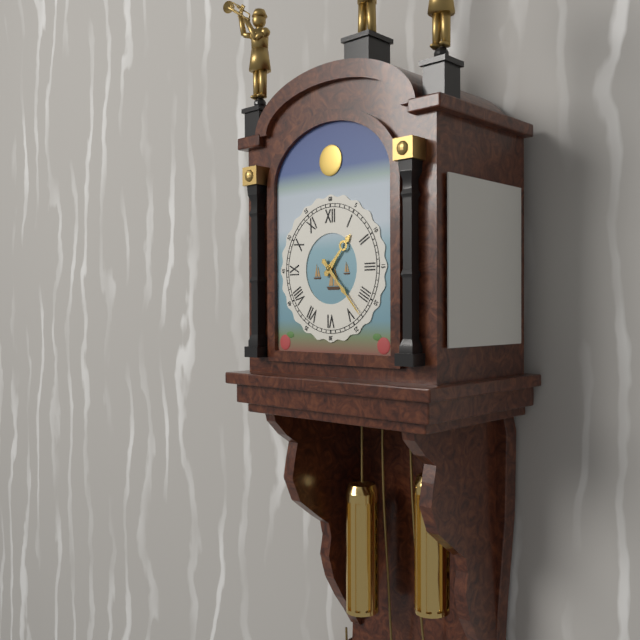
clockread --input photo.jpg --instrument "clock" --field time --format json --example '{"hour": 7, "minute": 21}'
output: {"hour": 1, "minute": 23}
